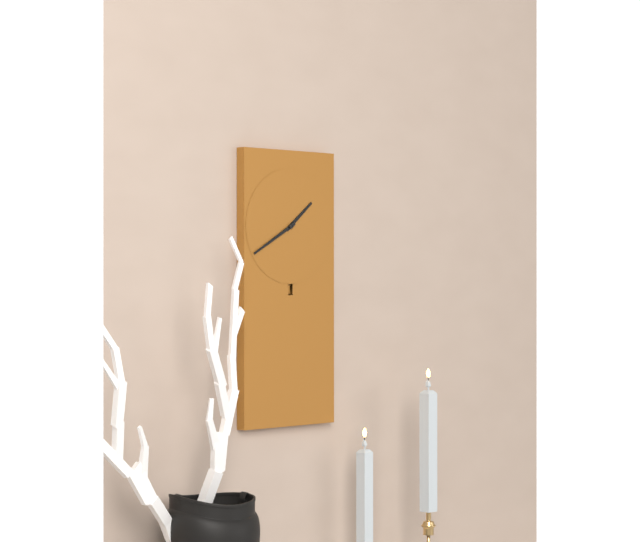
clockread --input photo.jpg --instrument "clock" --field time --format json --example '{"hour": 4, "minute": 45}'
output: {"hour": 1, "minute": 40}
